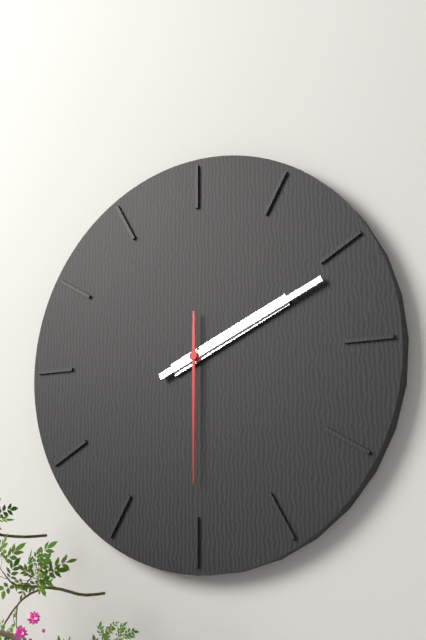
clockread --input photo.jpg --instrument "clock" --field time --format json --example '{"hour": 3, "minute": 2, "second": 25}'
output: {"hour": 2, "minute": 11, "second": 30}
